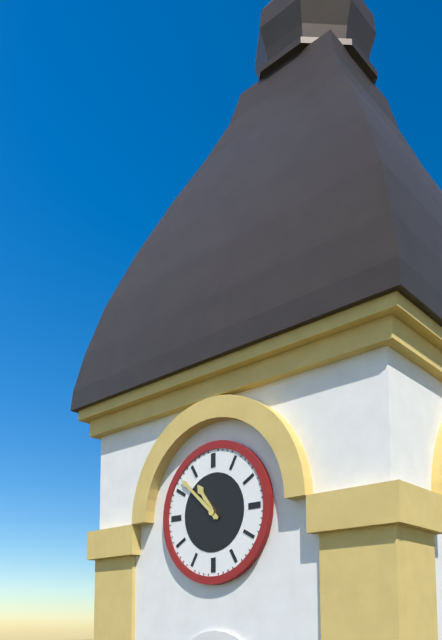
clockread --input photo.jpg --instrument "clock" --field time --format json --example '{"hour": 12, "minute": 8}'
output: {"hour": 10, "minute": 52}
